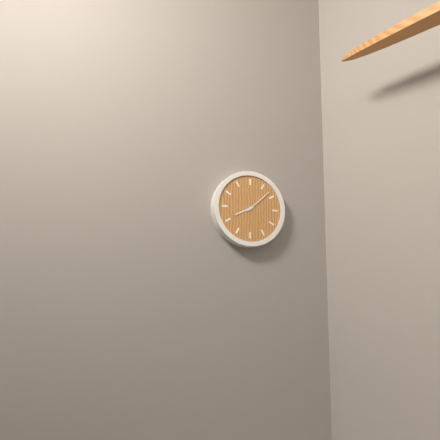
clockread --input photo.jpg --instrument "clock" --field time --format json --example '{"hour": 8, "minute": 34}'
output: {"hour": 8, "minute": 8}
